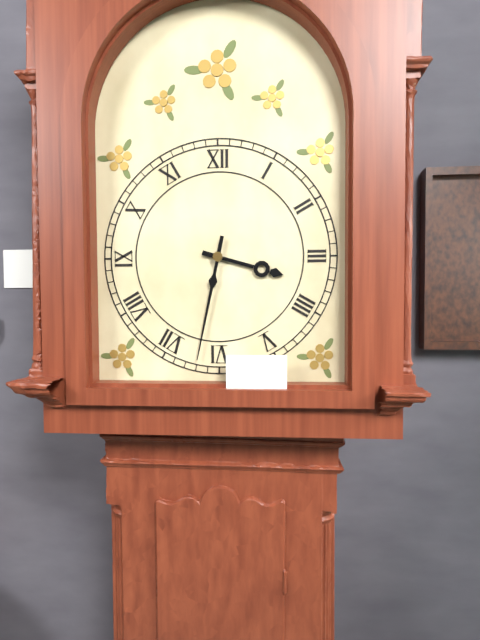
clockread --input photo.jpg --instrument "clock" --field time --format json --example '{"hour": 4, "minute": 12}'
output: {"hour": 3, "minute": 32}
